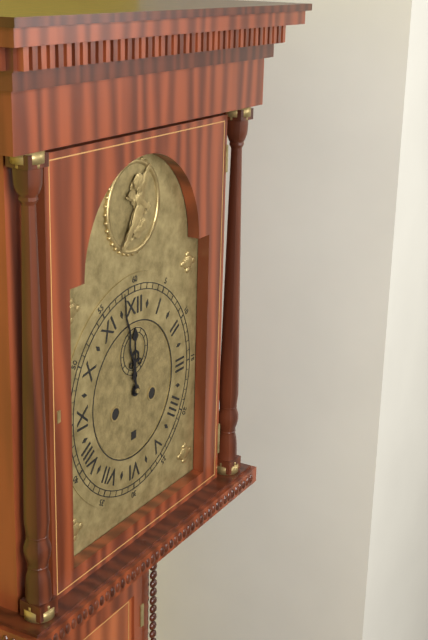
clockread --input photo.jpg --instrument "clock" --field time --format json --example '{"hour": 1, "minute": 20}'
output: {"hour": 11, "minute": 58}
